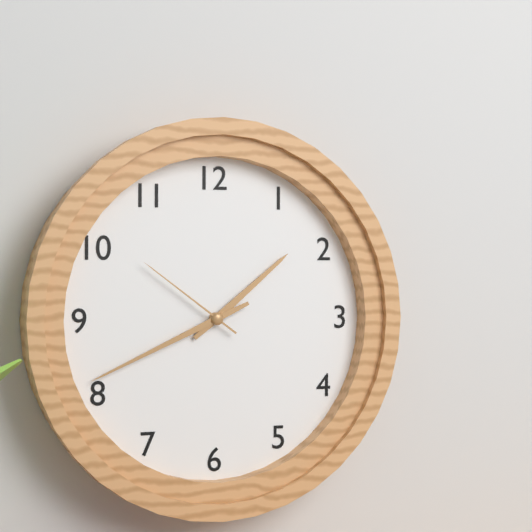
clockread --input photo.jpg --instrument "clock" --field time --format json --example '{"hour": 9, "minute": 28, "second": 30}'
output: {"hour": 1, "minute": 41, "second": 51}
